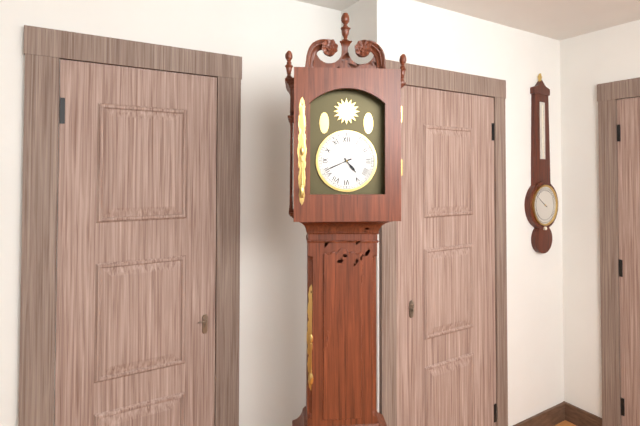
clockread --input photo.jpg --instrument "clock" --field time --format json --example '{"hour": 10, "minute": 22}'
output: {"hour": 4, "minute": 41}
